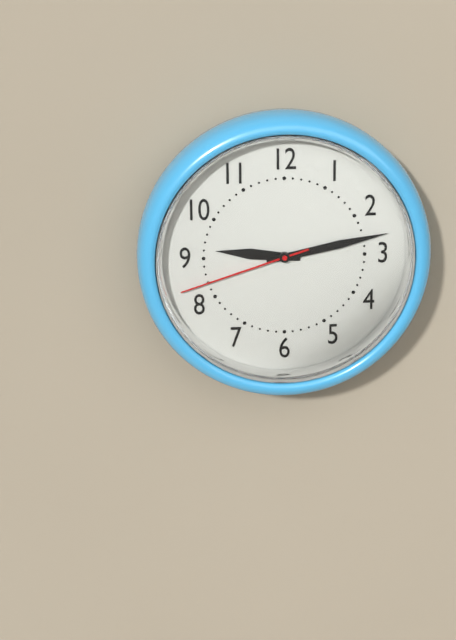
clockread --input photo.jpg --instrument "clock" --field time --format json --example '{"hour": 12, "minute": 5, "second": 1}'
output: {"hour": 9, "minute": 13, "second": 42}
